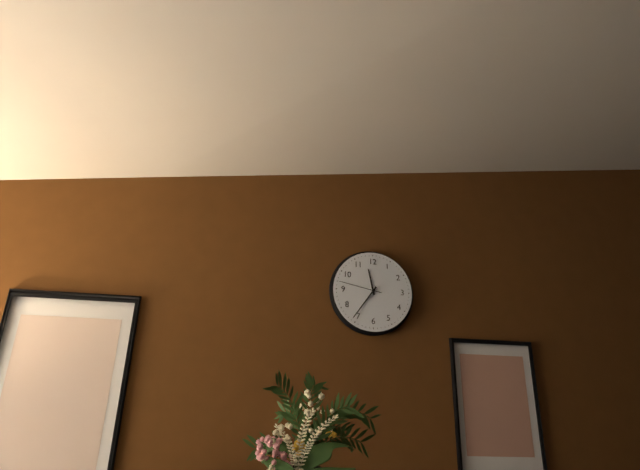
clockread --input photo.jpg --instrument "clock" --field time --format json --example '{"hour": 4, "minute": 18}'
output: {"hour": 11, "minute": 36}
